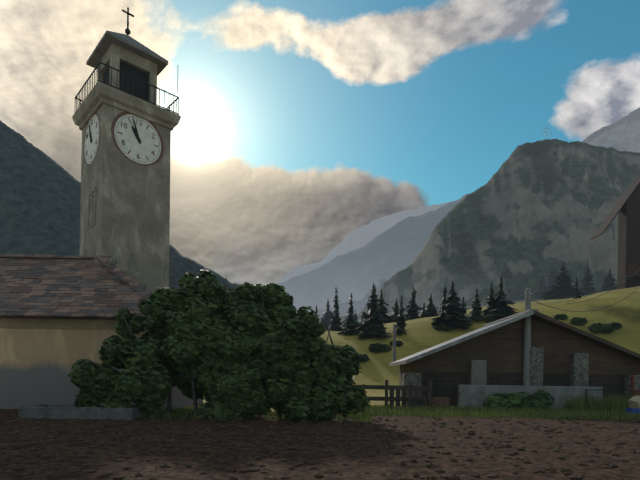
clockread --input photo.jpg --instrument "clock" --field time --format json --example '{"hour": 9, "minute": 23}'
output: {"hour": 10, "minute": 57}
